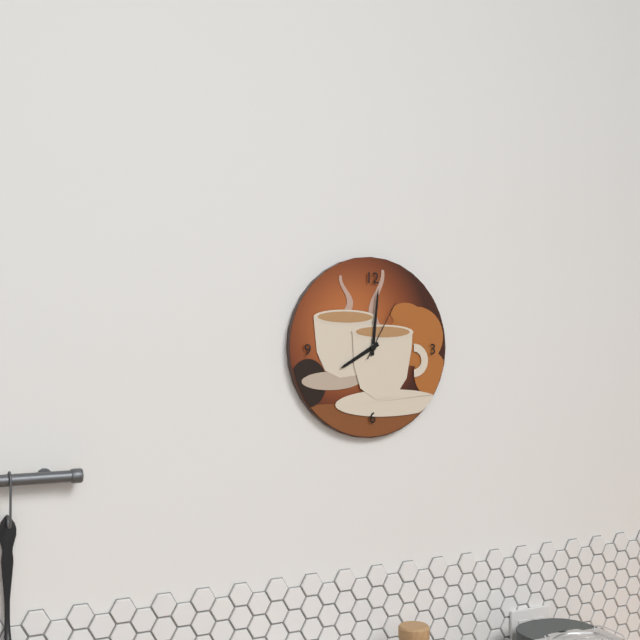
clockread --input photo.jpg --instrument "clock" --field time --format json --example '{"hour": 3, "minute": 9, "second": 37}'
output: {"hour": 8, "minute": 1, "second": 5}
